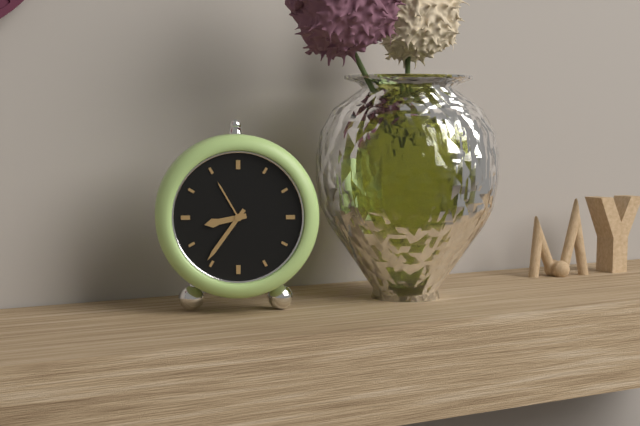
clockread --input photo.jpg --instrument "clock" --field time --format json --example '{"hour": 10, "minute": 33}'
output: {"hour": 8, "minute": 36}
